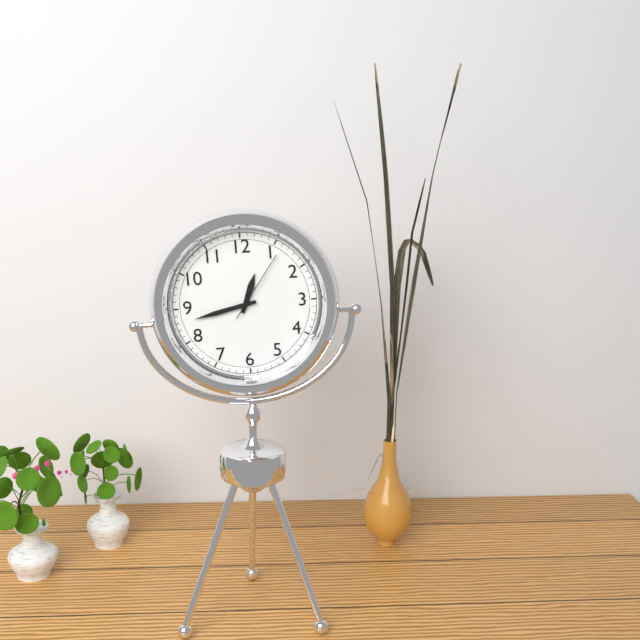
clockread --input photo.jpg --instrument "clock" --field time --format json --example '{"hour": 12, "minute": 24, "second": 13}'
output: {"hour": 12, "minute": 43, "second": 6}
